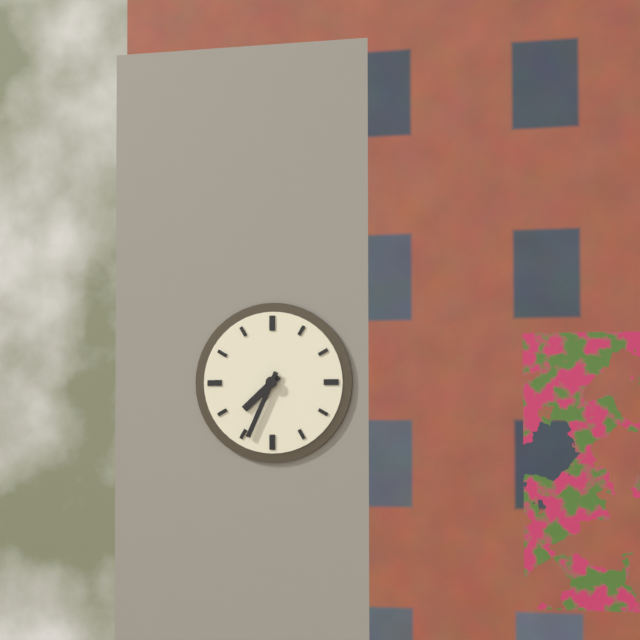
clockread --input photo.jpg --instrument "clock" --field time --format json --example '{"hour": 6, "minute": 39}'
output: {"hour": 7, "minute": 34}
